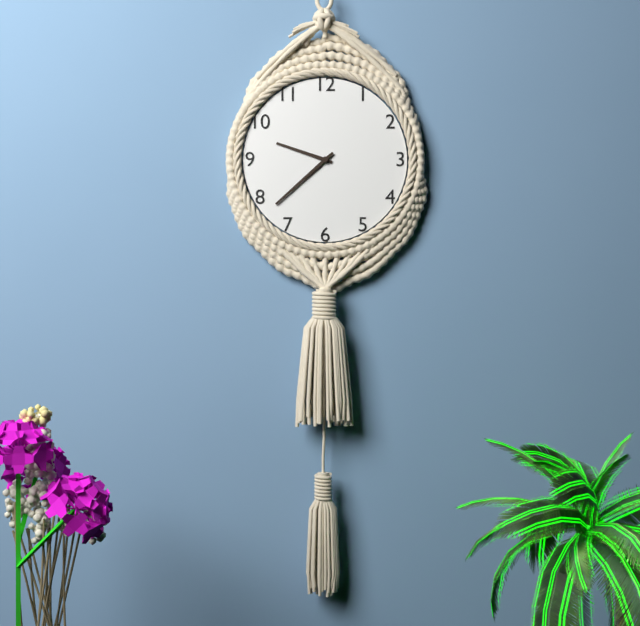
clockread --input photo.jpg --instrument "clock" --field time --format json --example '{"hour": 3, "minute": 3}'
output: {"hour": 9, "minute": 38}
